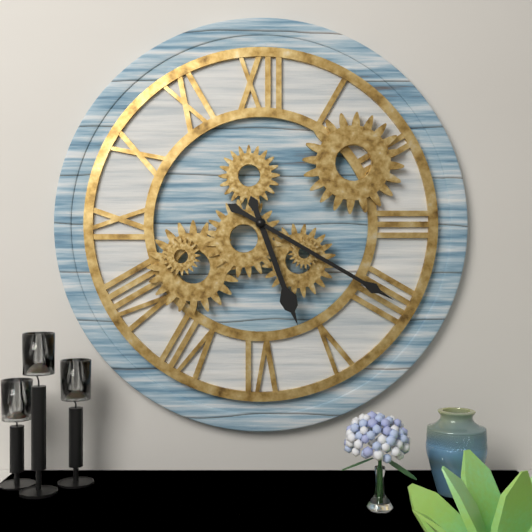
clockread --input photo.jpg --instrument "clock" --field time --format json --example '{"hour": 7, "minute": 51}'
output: {"hour": 5, "minute": 20}
